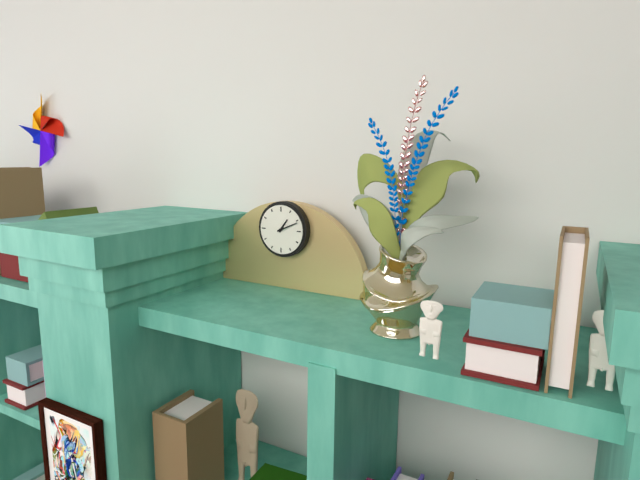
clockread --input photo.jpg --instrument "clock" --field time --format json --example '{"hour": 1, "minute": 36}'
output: {"hour": 1, "minute": 11}
